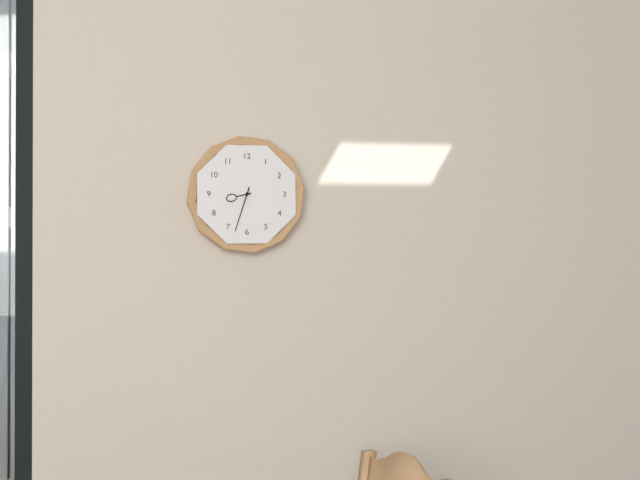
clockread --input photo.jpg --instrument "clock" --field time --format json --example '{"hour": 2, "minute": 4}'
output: {"hour": 8, "minute": 33}
